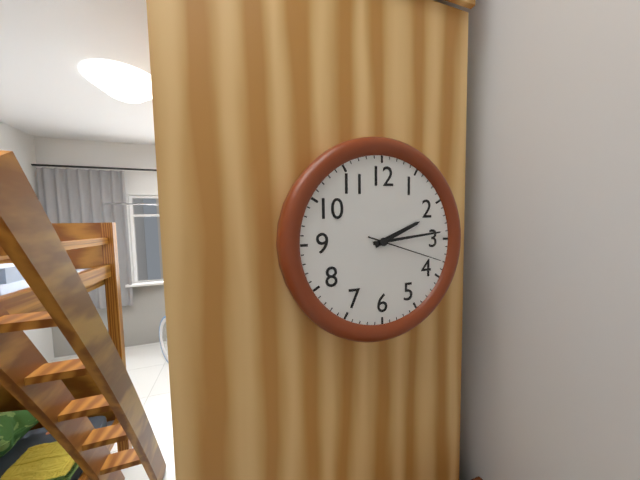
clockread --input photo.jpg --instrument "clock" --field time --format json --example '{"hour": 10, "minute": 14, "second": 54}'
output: {"hour": 2, "minute": 14, "second": 18}
